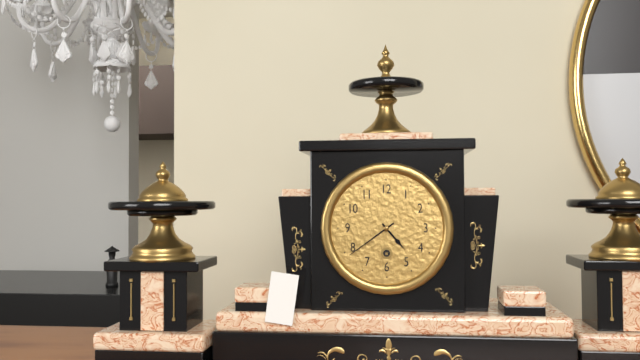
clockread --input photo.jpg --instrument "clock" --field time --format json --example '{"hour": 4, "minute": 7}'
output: {"hour": 4, "minute": 39}
